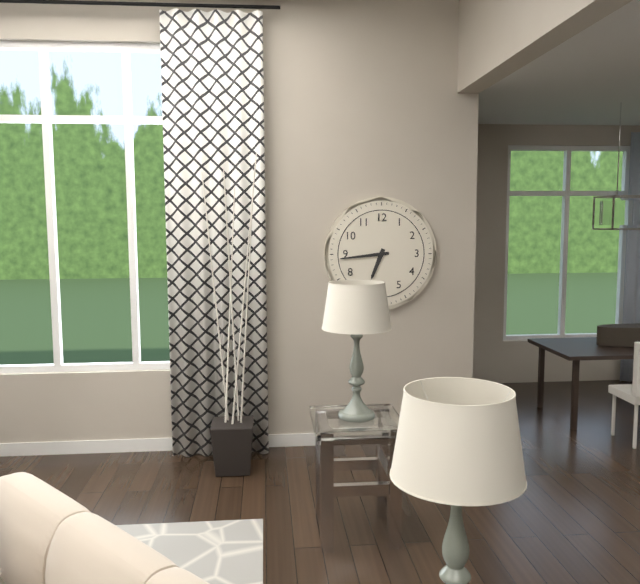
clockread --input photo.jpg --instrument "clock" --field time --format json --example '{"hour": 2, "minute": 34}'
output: {"hour": 6, "minute": 44}
